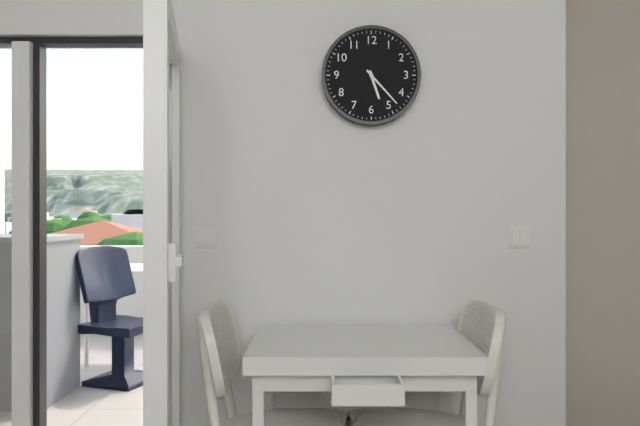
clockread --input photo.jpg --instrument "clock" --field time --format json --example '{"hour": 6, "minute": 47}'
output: {"hour": 5, "minute": 23}
